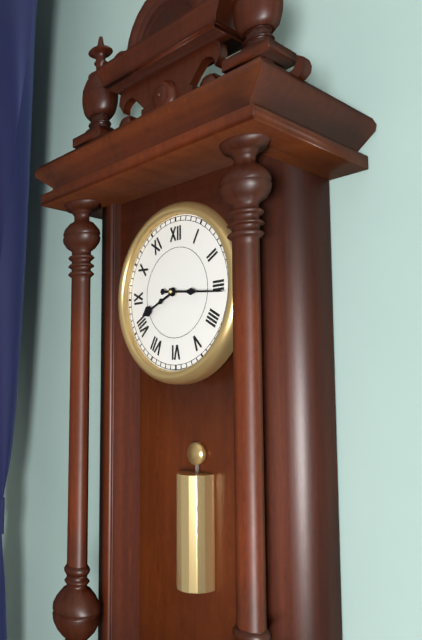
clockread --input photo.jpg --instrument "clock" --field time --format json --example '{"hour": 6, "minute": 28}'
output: {"hour": 8, "minute": 16}
